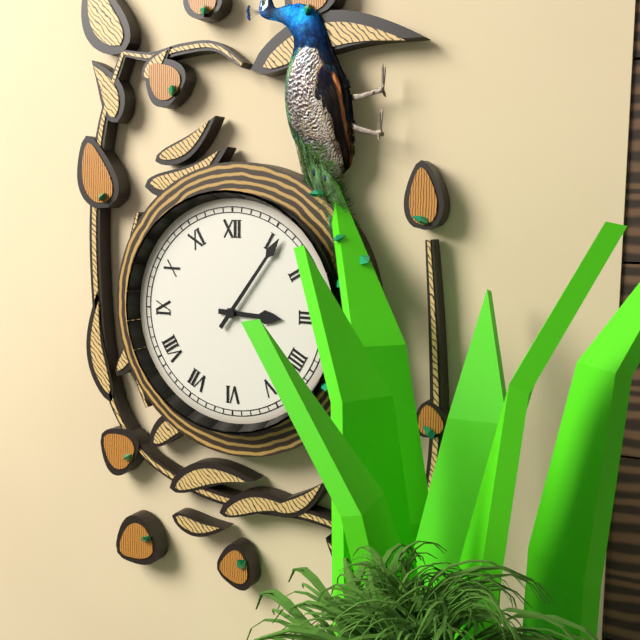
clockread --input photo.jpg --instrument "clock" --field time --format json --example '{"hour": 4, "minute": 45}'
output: {"hour": 3, "minute": 6}
